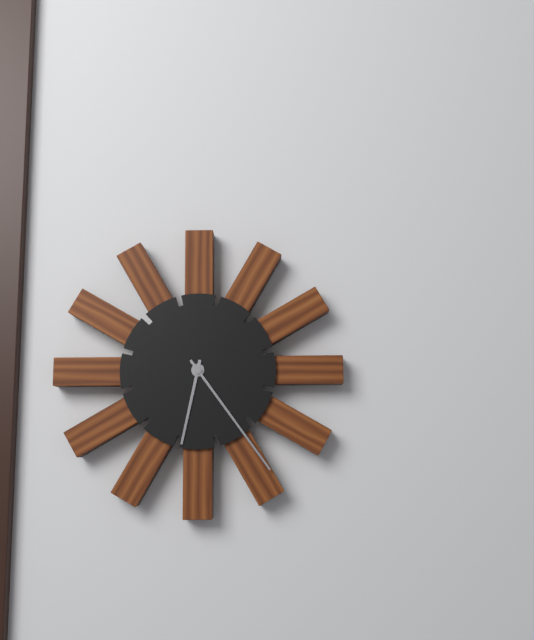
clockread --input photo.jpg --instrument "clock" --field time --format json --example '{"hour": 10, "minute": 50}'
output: {"hour": 6, "minute": 24}
